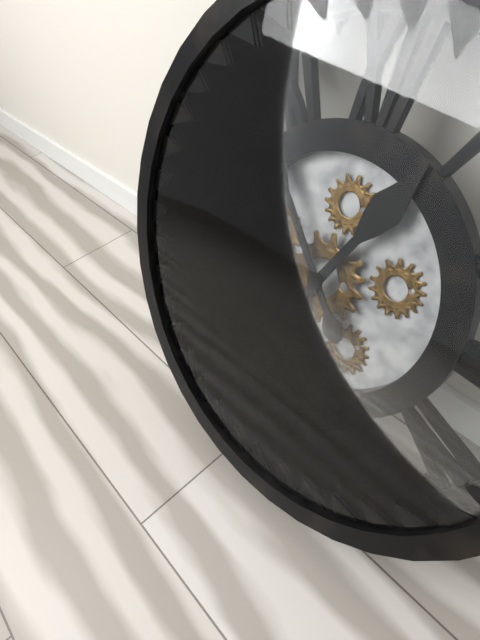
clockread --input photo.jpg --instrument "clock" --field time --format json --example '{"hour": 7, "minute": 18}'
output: {"hour": 12, "minute": 53}
